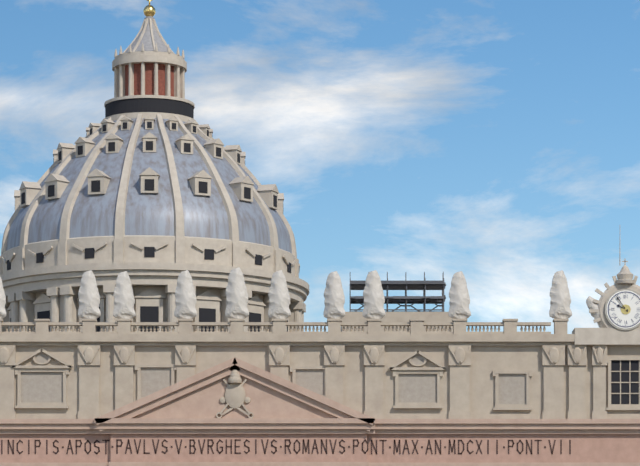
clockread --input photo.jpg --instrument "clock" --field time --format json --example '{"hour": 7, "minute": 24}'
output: {"hour": 9, "minute": 54}
